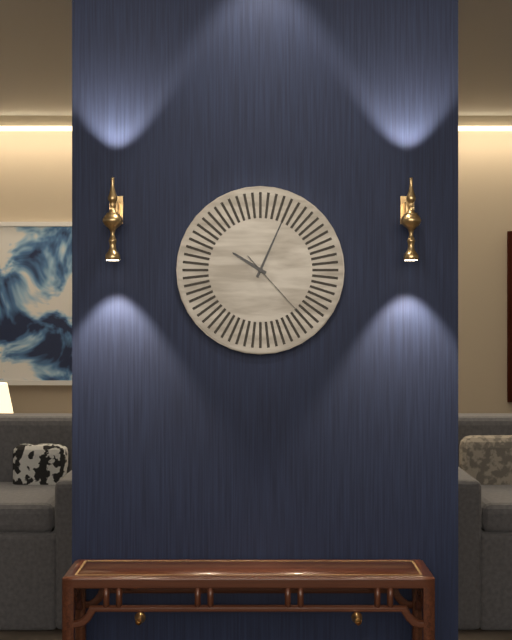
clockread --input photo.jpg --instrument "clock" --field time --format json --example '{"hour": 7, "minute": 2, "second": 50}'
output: {"hour": 10, "minute": 4, "second": 23}
